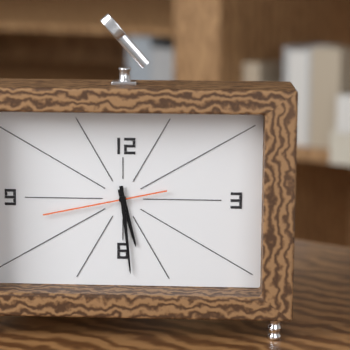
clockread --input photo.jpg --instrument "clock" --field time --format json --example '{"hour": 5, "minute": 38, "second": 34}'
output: {"hour": 5, "minute": 29, "second": 43}
